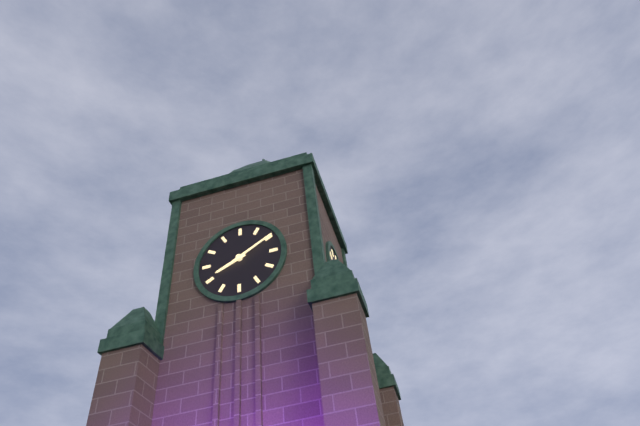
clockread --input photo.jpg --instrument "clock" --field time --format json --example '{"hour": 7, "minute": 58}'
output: {"hour": 8, "minute": 10}
